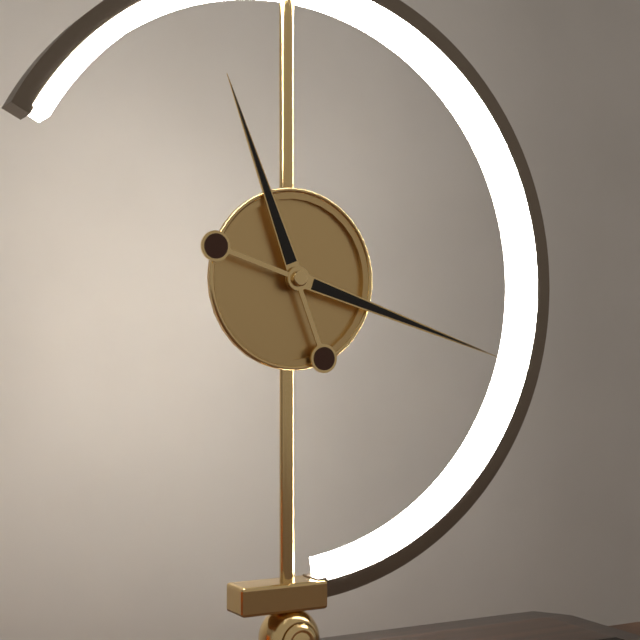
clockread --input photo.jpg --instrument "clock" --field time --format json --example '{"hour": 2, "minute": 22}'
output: {"hour": 11, "minute": 18}
